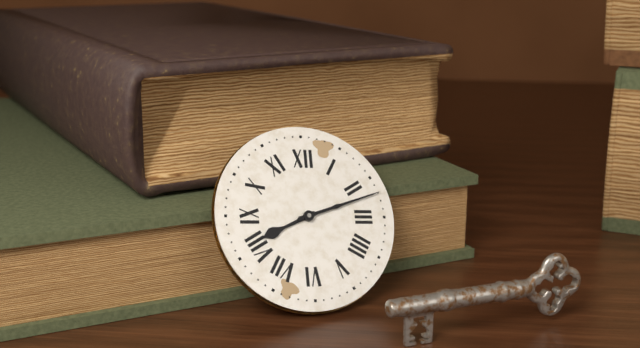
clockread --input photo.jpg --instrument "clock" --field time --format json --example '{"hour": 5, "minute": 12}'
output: {"hour": 8, "minute": 12}
